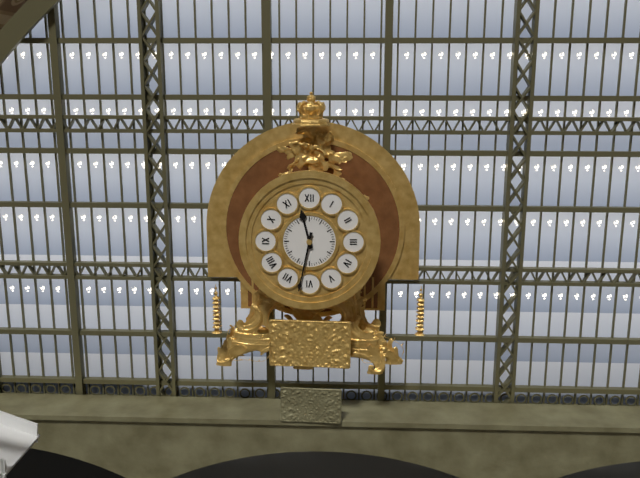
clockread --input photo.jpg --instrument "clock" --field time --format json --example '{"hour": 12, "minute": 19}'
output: {"hour": 11, "minute": 32}
